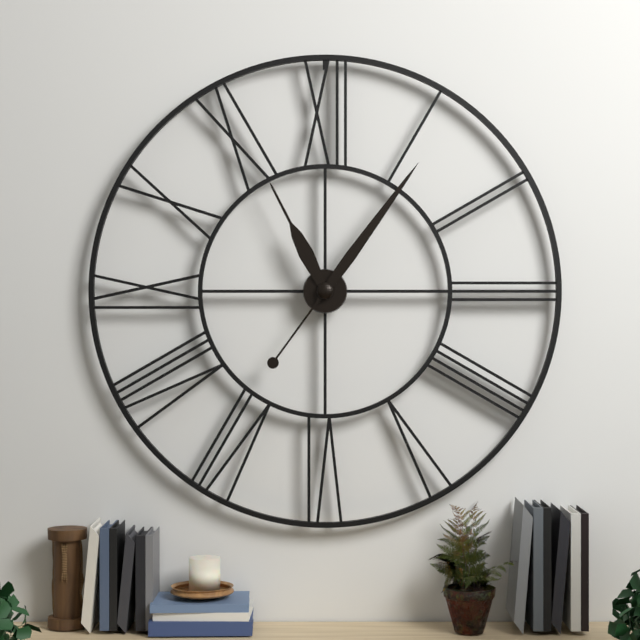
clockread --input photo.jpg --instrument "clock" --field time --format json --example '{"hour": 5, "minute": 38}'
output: {"hour": 11, "minute": 6}
